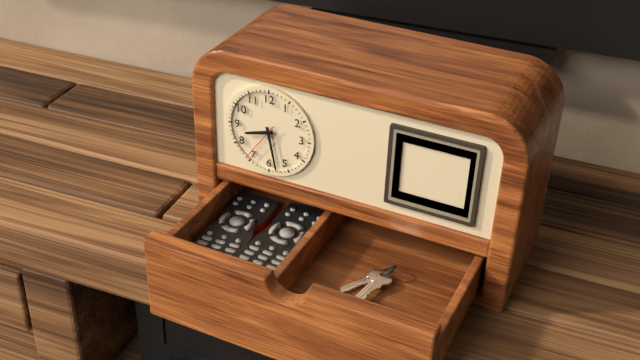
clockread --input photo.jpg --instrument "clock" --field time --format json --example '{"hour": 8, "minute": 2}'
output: {"hour": 8, "minute": 28}
